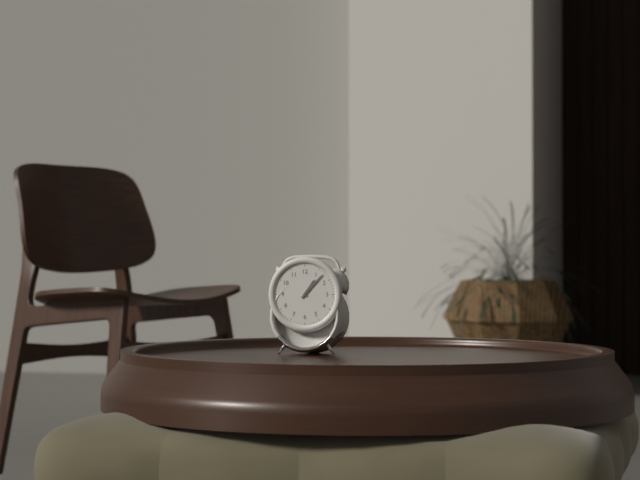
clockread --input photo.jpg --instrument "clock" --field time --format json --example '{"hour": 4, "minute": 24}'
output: {"hour": 1, "minute": 7}
